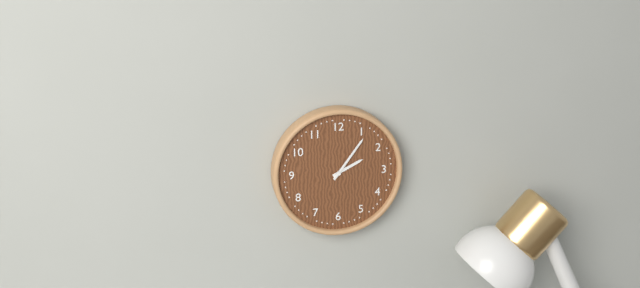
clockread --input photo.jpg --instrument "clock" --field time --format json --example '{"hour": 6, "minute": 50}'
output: {"hour": 2, "minute": 6}
